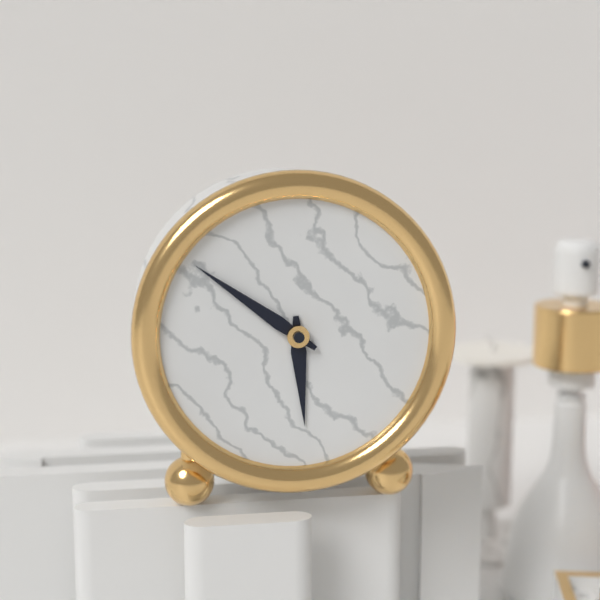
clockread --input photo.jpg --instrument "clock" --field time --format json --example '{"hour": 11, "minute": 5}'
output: {"hour": 5, "minute": 51}
